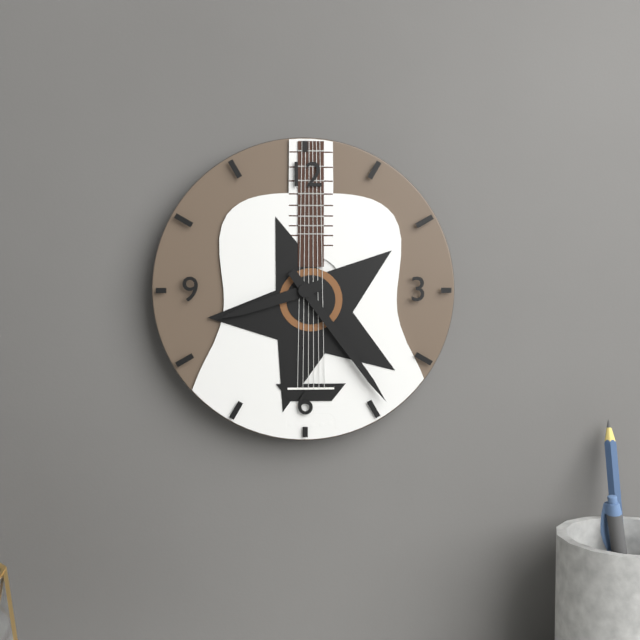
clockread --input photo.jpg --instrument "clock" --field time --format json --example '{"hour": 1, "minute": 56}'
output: {"hour": 8, "minute": 24}
